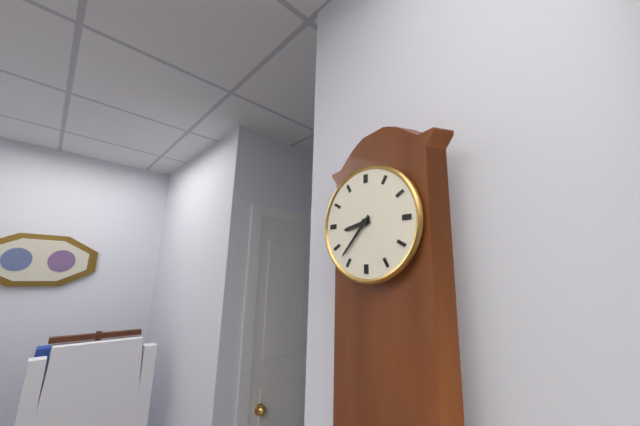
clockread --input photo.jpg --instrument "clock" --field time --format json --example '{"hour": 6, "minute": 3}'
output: {"hour": 8, "minute": 37}
